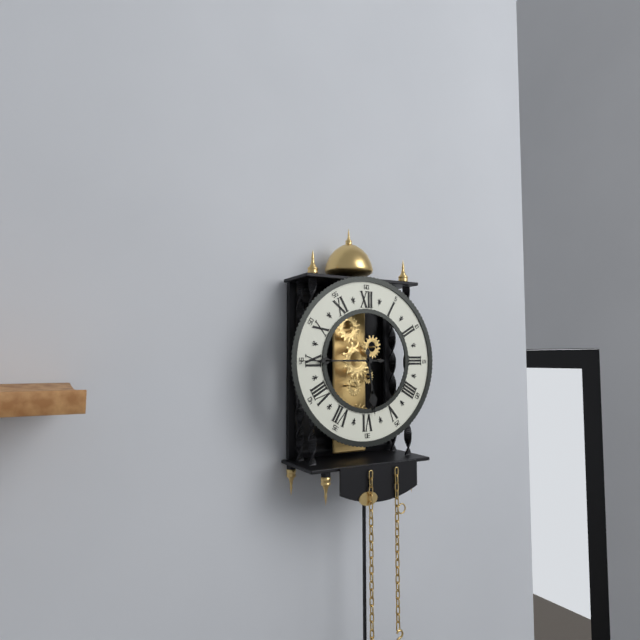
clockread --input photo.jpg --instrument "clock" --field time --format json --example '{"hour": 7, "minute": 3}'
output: {"hour": 5, "minute": 45}
